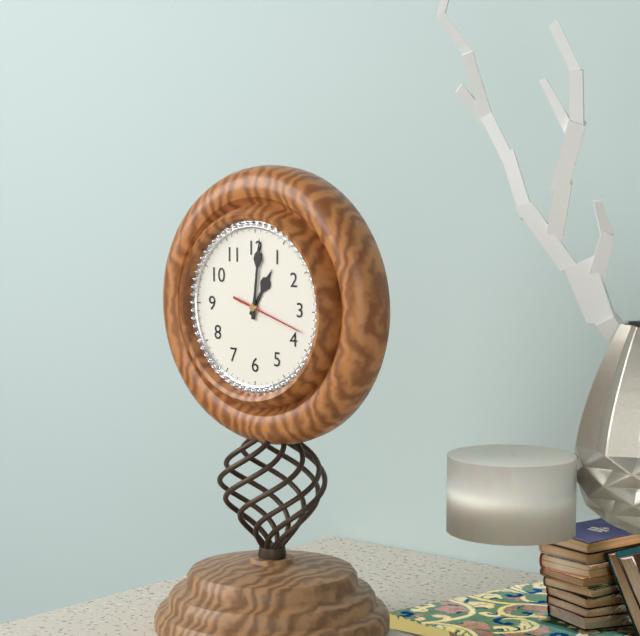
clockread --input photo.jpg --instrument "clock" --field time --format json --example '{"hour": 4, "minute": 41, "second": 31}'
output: {"hour": 1, "minute": 1, "second": 18}
